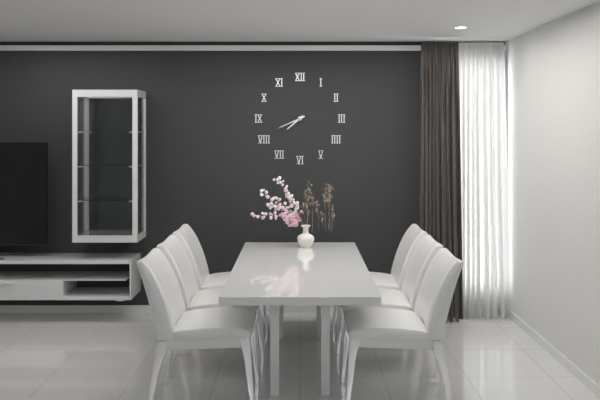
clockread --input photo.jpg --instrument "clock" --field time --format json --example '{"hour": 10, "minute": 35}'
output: {"hour": 7, "minute": 41}
